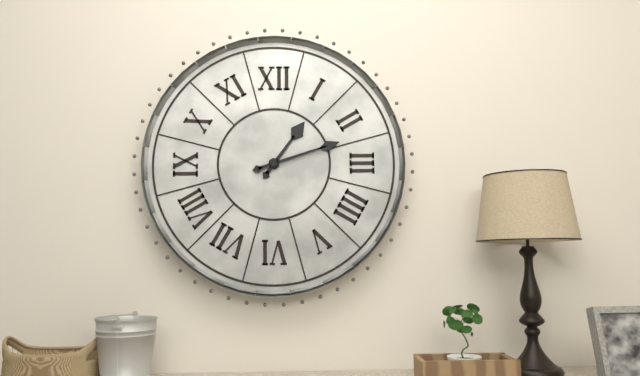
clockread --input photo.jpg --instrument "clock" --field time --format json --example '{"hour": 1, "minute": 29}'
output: {"hour": 1, "minute": 12}
